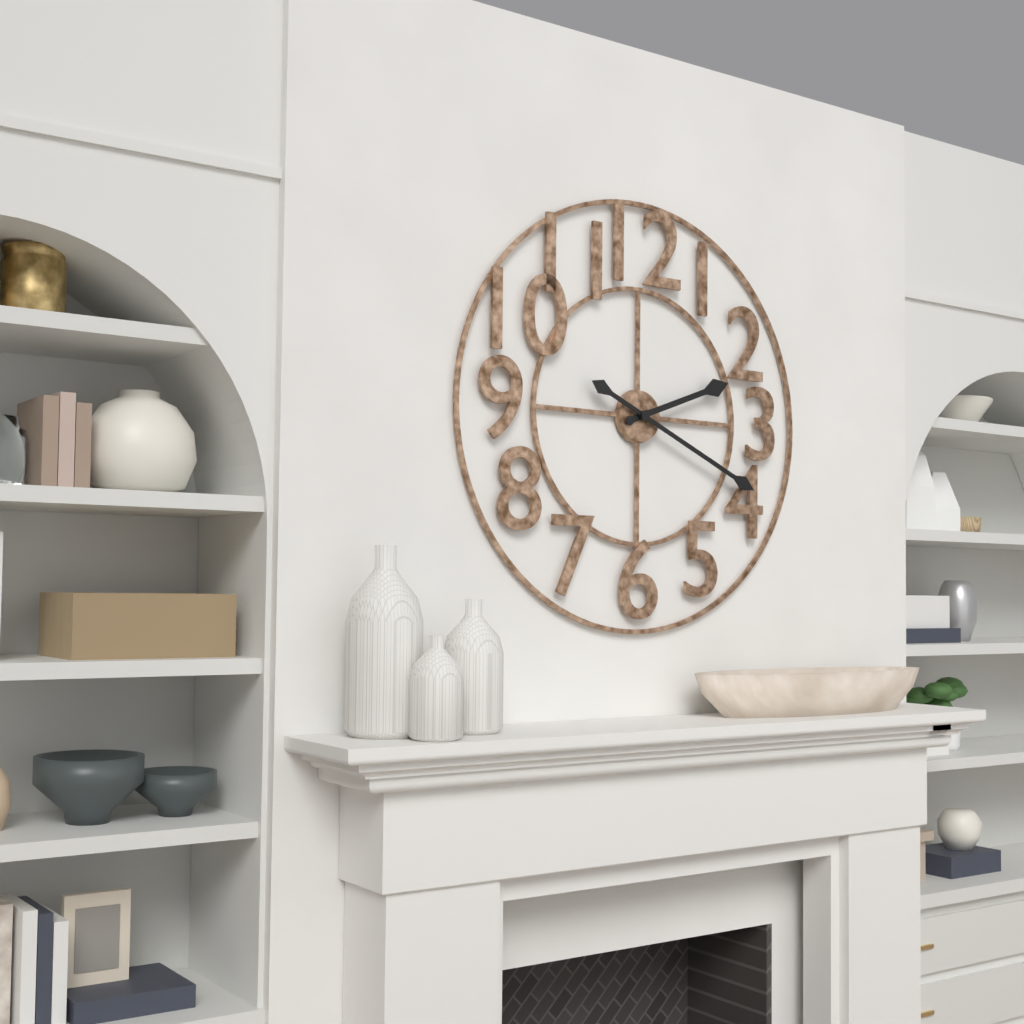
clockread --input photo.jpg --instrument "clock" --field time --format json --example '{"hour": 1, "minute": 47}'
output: {"hour": 2, "minute": 19}
